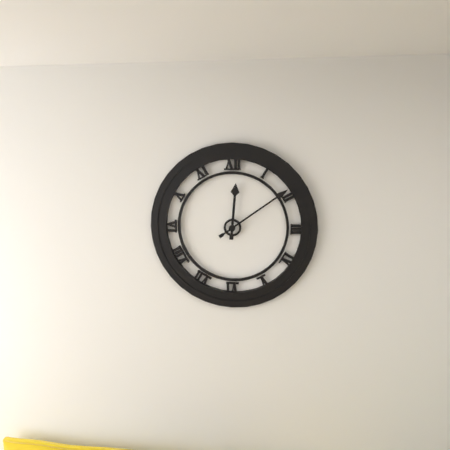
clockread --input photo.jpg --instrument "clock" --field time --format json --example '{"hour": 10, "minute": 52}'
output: {"hour": 12, "minute": 9}
